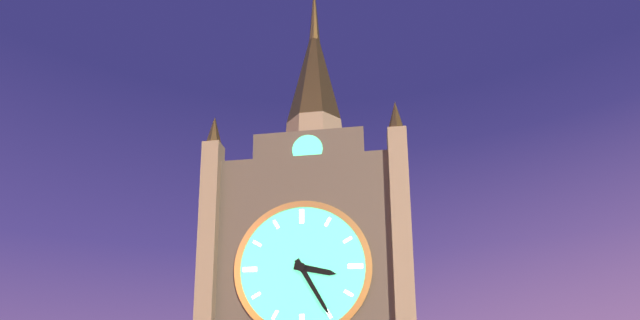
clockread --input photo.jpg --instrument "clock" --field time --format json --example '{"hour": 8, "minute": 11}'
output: {"hour": 3, "minute": 25}
